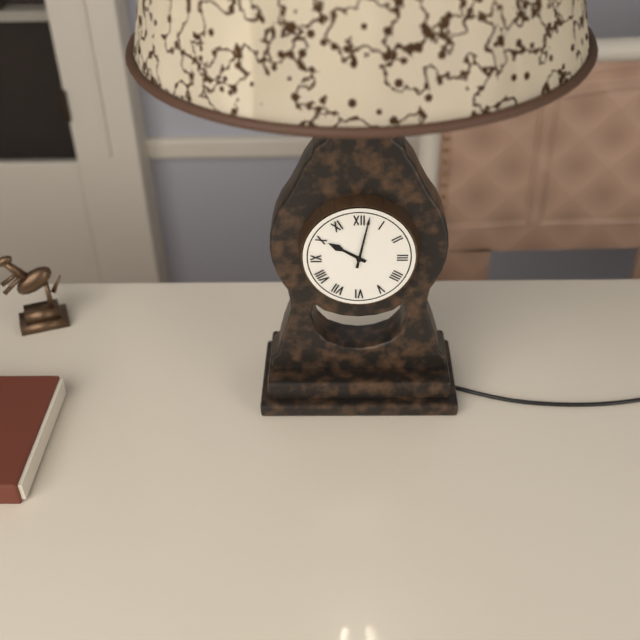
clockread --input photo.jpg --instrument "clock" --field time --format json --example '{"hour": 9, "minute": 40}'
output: {"hour": 10, "minute": 2}
